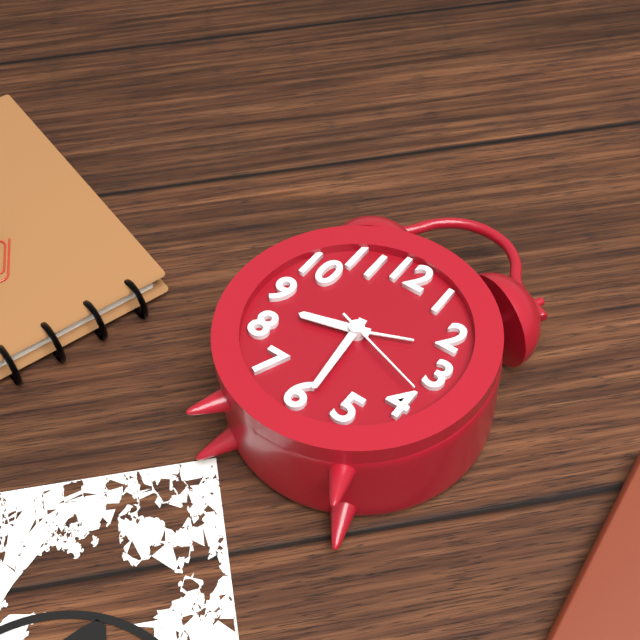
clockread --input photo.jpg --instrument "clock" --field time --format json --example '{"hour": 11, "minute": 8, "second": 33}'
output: {"hour": 8, "minute": 29, "second": 18}
